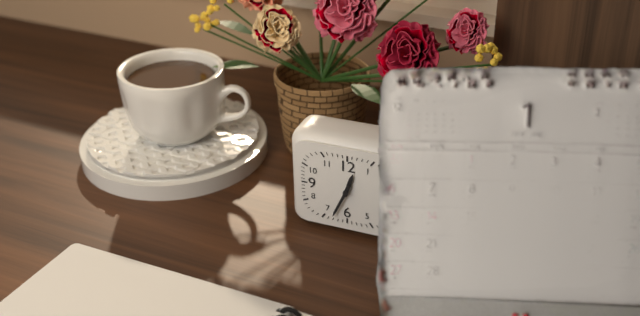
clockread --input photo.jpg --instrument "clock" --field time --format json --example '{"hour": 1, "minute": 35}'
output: {"hour": 12, "minute": 34}
